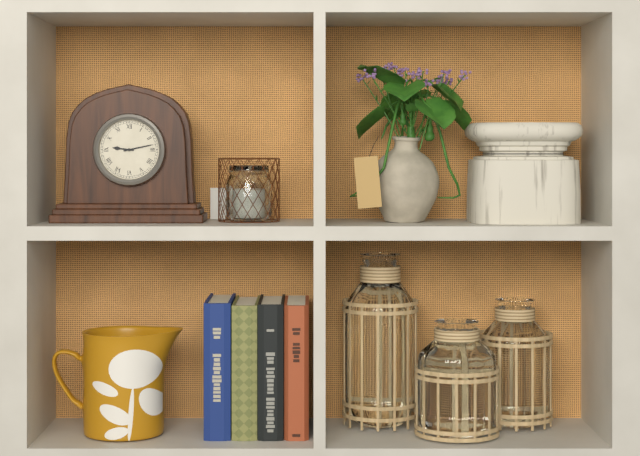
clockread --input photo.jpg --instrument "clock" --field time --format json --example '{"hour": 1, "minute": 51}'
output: {"hour": 9, "minute": 13}
